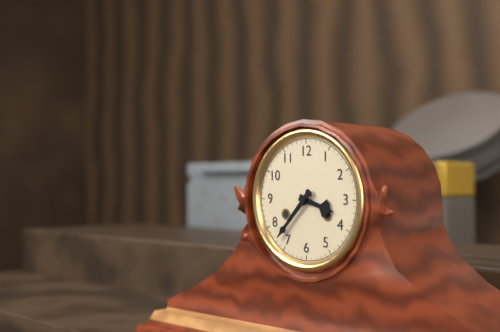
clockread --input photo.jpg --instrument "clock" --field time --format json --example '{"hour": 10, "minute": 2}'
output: {"hour": 3, "minute": 37}
